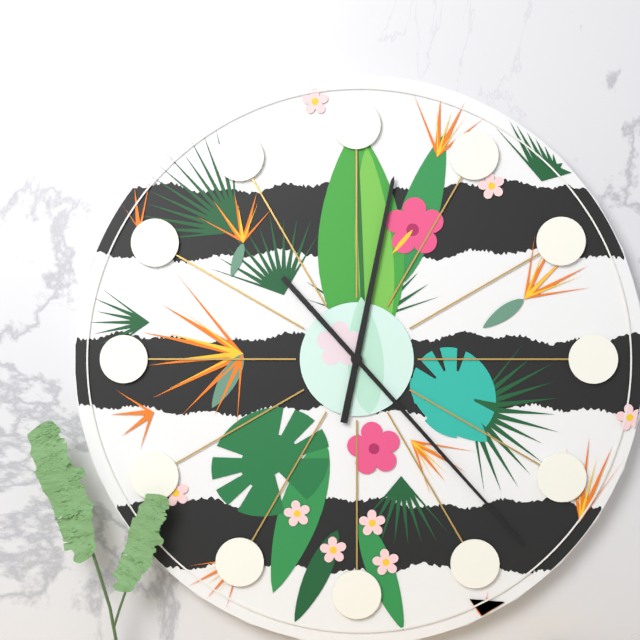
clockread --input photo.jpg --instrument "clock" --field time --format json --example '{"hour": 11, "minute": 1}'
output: {"hour": 12, "minute": 23}
